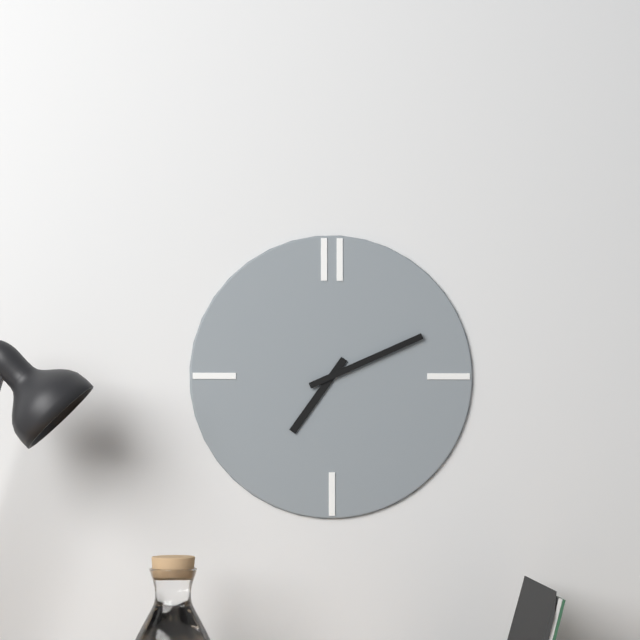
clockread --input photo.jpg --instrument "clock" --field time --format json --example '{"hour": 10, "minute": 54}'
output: {"hour": 7, "minute": 11}
